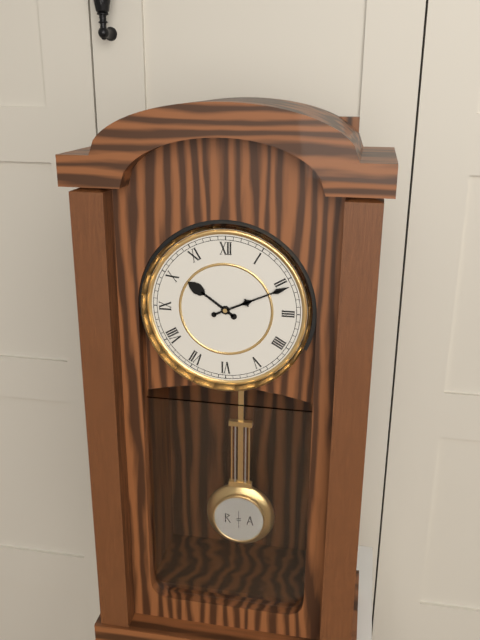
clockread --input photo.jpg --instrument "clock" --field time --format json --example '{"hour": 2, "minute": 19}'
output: {"hour": 10, "minute": 11}
